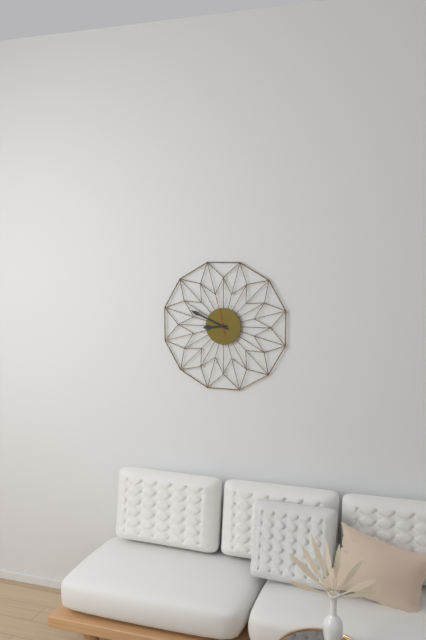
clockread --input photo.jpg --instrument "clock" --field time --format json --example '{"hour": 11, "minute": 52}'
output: {"hour": 8, "minute": 49}
